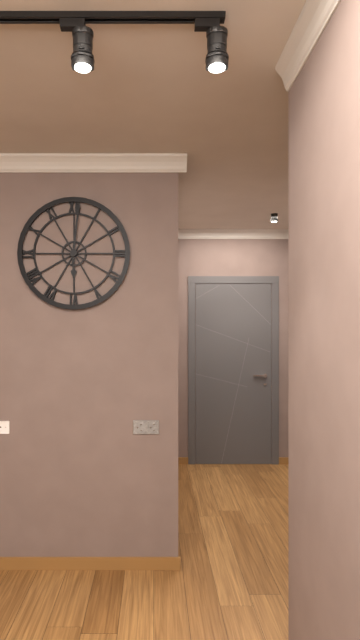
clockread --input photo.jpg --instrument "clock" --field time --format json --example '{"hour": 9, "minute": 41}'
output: {"hour": 6, "minute": 1}
